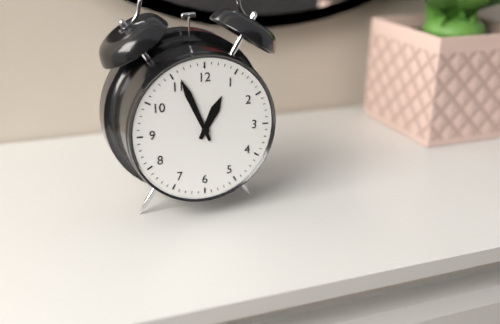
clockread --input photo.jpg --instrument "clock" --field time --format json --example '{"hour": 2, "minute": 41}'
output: {"hour": 12, "minute": 56}
